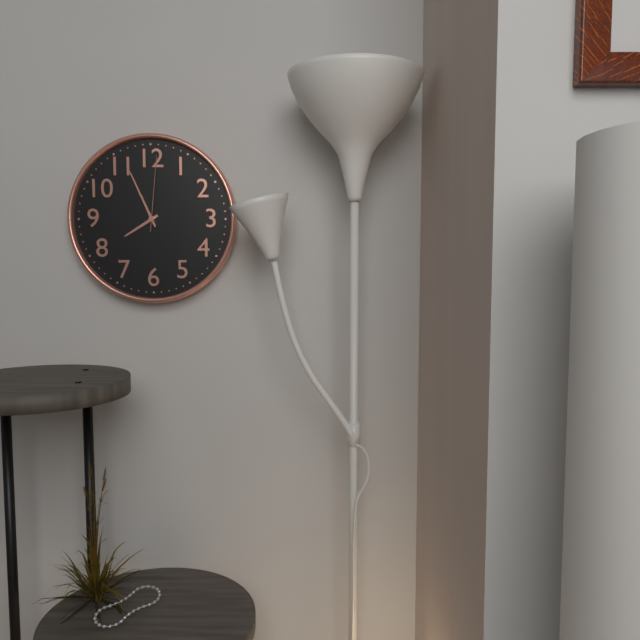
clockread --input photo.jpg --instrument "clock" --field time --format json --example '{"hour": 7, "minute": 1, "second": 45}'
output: {"hour": 7, "minute": 56, "second": 1}
